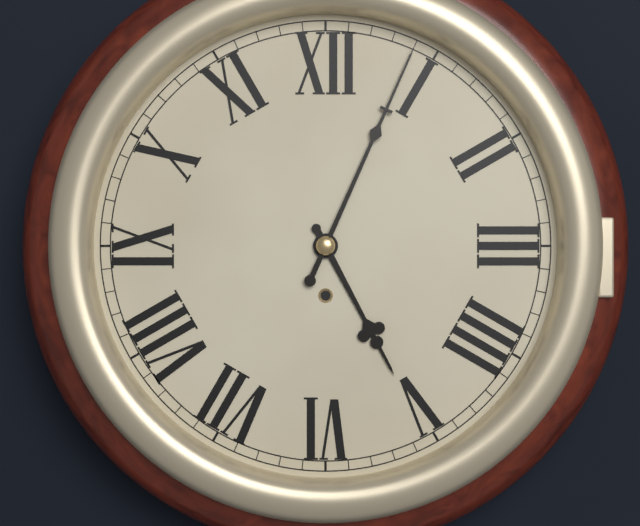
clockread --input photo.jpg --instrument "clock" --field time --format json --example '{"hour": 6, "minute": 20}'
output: {"hour": 5, "minute": 4}
